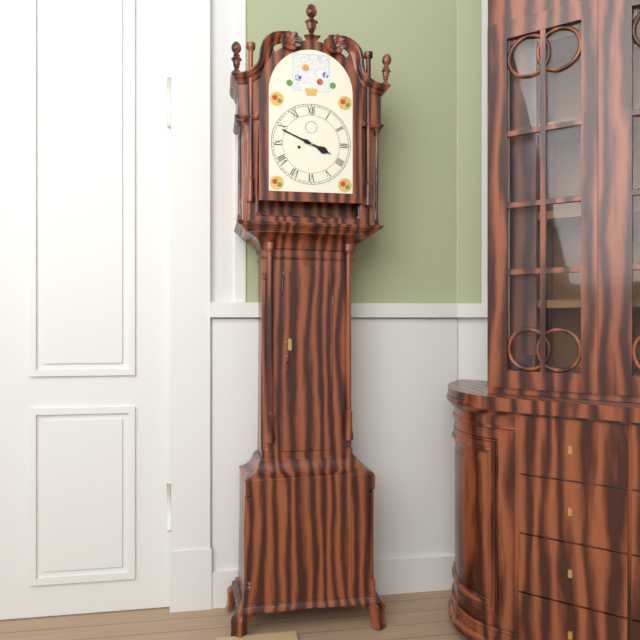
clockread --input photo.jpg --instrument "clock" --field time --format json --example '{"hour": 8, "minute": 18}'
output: {"hour": 3, "minute": 49}
